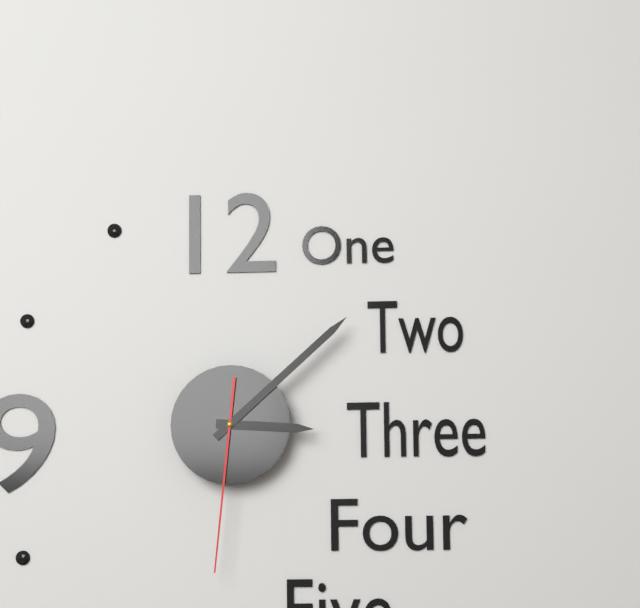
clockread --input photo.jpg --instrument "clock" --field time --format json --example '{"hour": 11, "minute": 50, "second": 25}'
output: {"hour": 3, "minute": 8, "second": 31}
